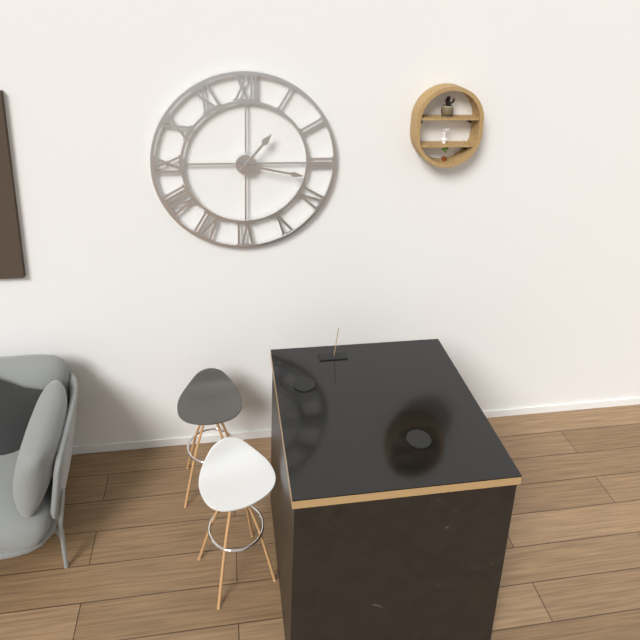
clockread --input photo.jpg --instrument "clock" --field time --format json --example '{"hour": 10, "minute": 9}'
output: {"hour": 1, "minute": 17}
